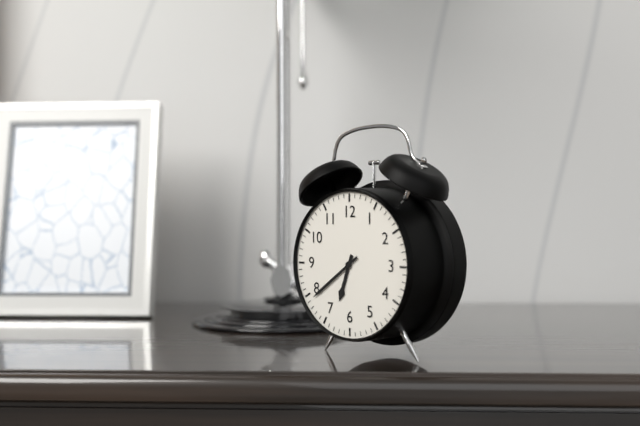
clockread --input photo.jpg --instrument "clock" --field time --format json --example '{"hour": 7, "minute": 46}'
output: {"hour": 6, "minute": 39}
